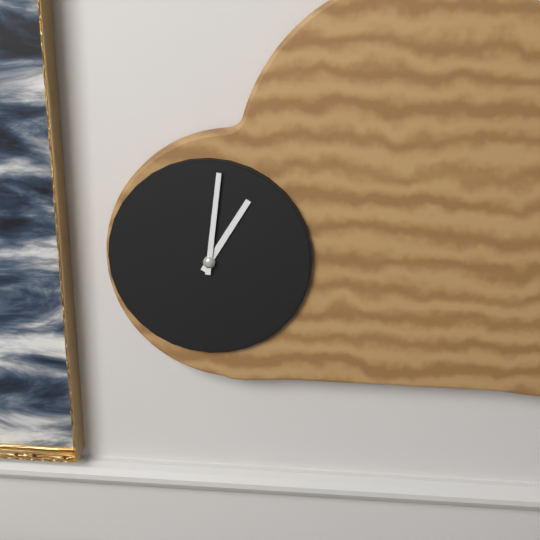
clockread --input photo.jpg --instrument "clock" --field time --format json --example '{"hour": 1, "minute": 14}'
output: {"hour": 1, "minute": 1}
